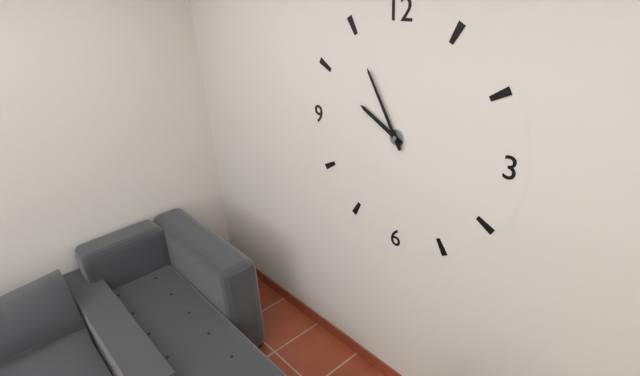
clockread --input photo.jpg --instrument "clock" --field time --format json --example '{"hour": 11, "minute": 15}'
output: {"hour": 9, "minute": 55}
